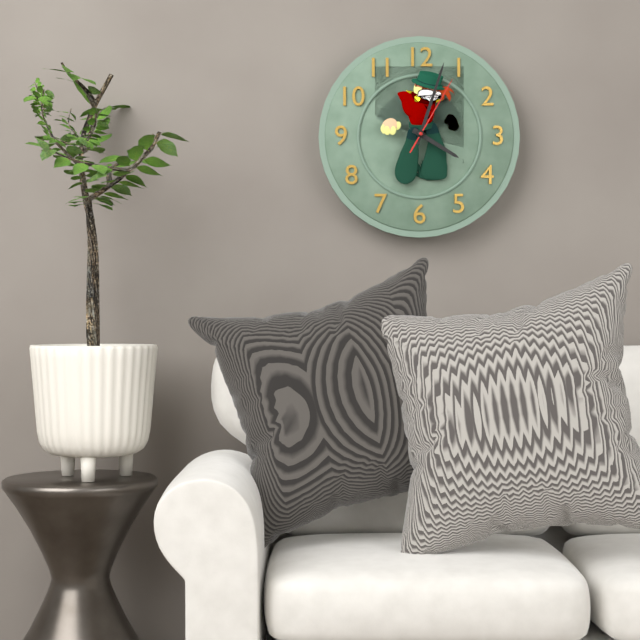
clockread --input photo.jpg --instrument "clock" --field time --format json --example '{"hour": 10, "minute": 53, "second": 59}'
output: {"hour": 4, "minute": 3, "second": 5}
